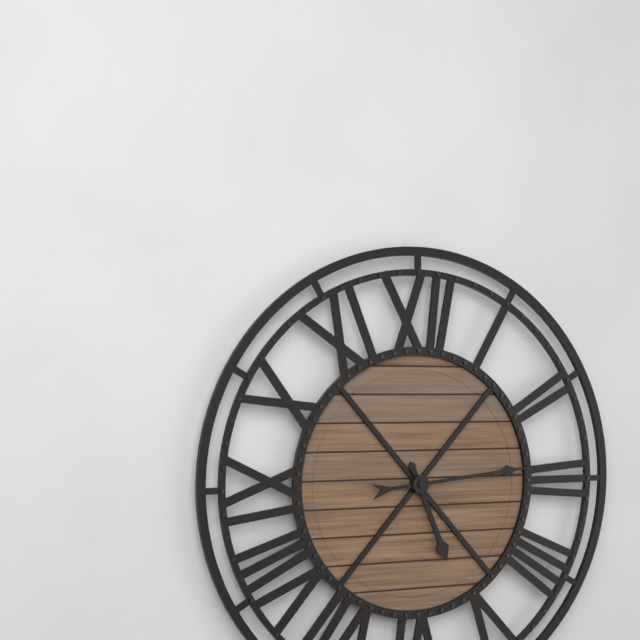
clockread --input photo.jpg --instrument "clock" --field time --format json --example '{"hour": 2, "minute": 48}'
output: {"hour": 5, "minute": 14}
